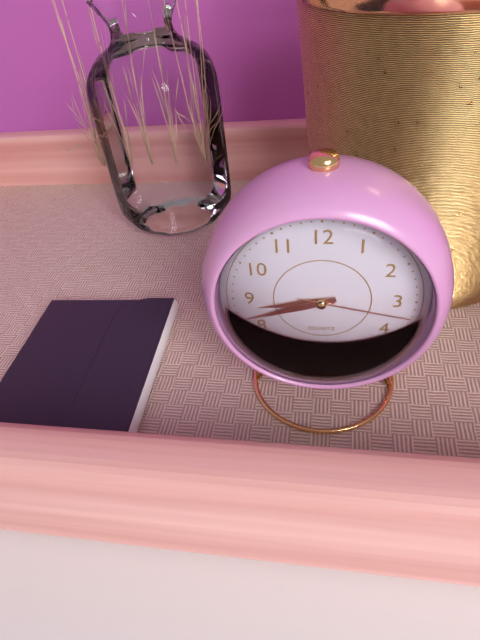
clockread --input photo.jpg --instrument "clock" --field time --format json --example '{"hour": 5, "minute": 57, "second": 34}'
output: {"hour": 8, "minute": 42, "second": 17}
